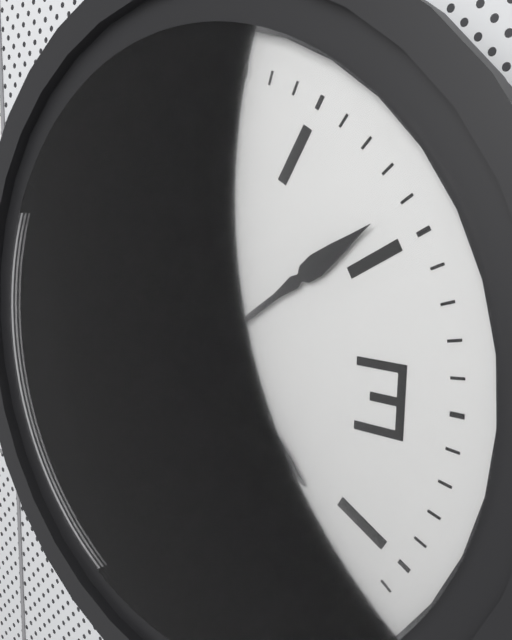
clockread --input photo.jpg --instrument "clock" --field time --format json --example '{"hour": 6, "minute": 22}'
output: {"hour": 4, "minute": 9}
